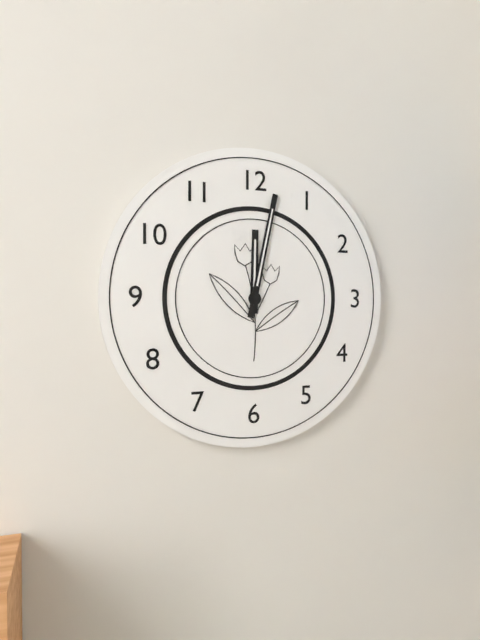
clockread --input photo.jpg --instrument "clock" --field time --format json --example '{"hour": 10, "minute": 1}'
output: {"hour": 12, "minute": 2}
